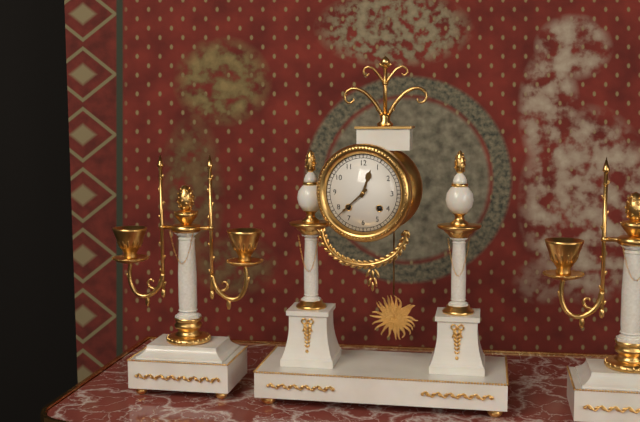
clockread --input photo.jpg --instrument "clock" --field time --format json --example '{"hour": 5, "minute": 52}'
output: {"hour": 12, "minute": 38}
